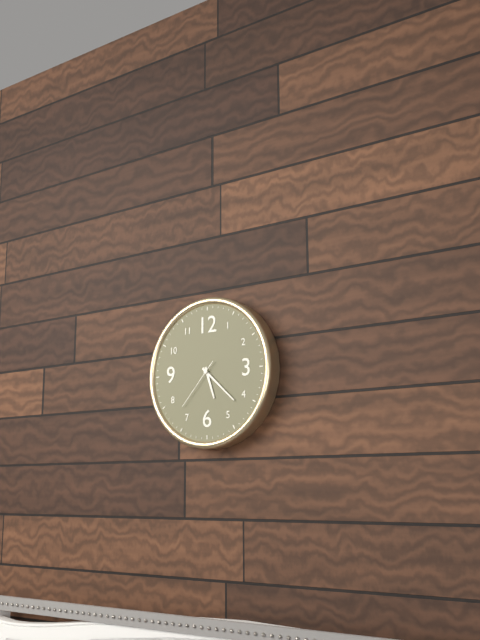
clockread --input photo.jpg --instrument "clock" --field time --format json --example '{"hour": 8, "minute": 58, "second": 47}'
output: {"hour": 5, "minute": 22, "second": 37}
